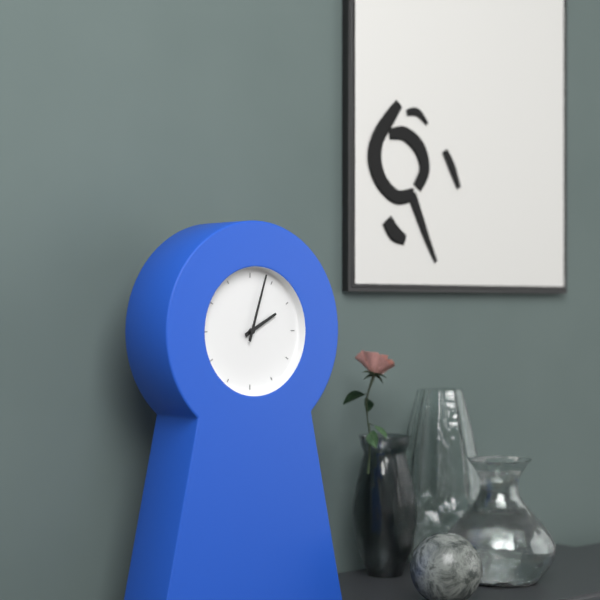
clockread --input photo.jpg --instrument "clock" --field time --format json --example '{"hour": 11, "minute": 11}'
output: {"hour": 2, "minute": 3}
